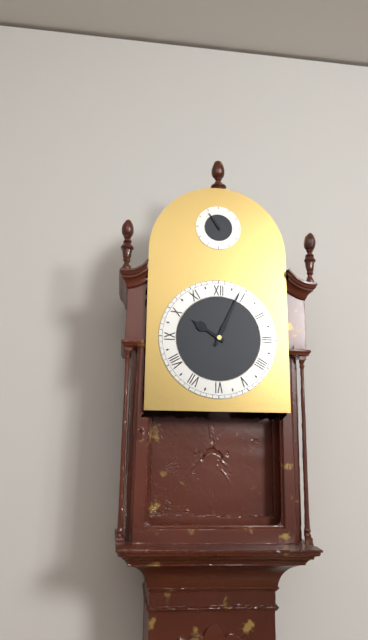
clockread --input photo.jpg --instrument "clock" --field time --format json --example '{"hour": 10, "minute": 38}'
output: {"hour": 10, "minute": 4}
